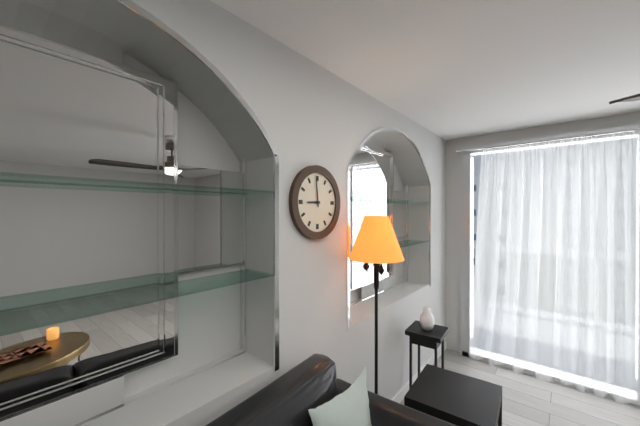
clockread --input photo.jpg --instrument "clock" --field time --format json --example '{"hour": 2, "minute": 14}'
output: {"hour": 8, "minute": 59}
